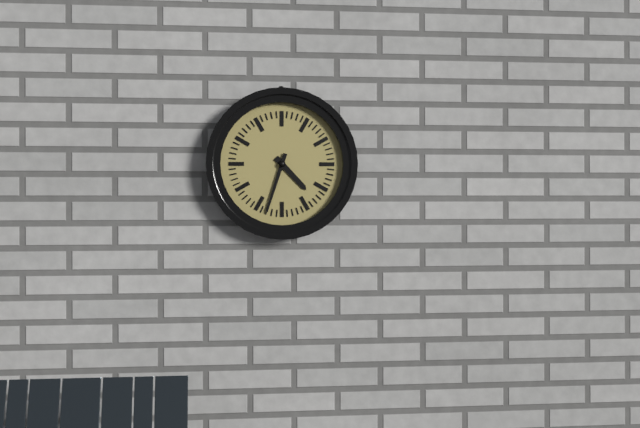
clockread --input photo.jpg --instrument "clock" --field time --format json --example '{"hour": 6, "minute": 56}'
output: {"hour": 4, "minute": 33}
